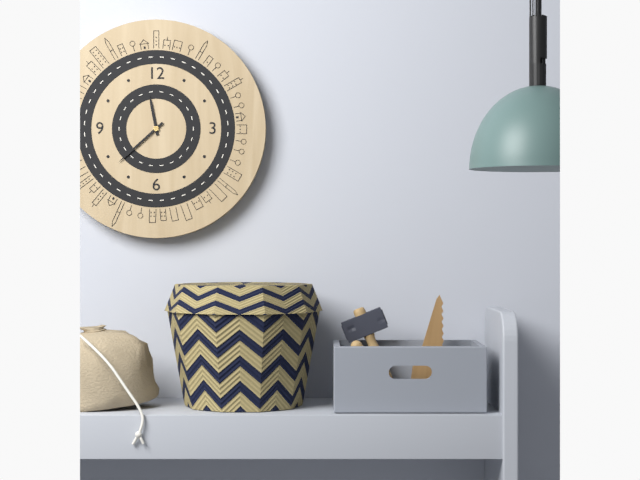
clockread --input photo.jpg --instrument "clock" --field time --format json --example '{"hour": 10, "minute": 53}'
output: {"hour": 11, "minute": 38}
